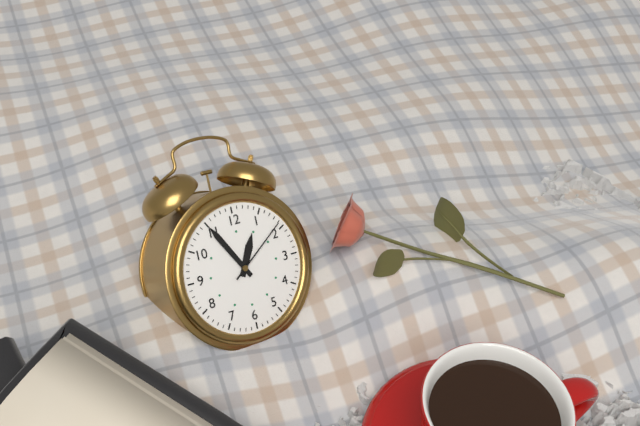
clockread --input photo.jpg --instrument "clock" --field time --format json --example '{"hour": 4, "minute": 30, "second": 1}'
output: {"hour": 12, "minute": 55, "second": 9}
